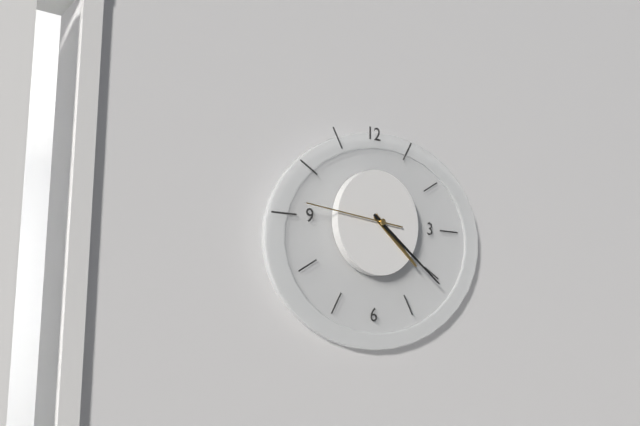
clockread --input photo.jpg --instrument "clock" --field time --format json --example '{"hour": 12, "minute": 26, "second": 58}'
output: {"hour": 4, "minute": 21, "second": 46}
